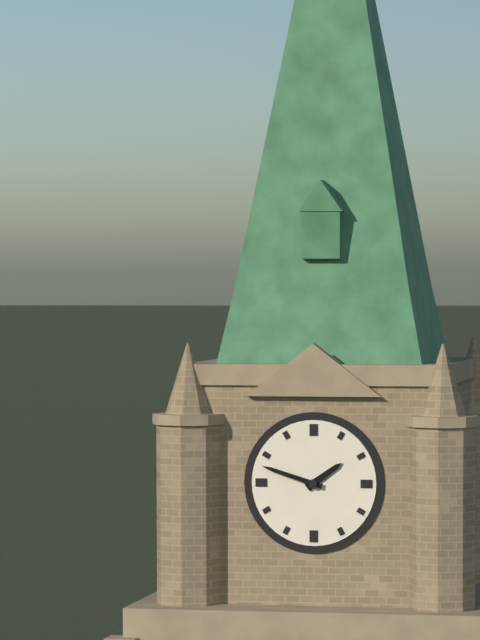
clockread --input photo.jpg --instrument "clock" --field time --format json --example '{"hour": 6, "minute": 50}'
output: {"hour": 1, "minute": 48}
